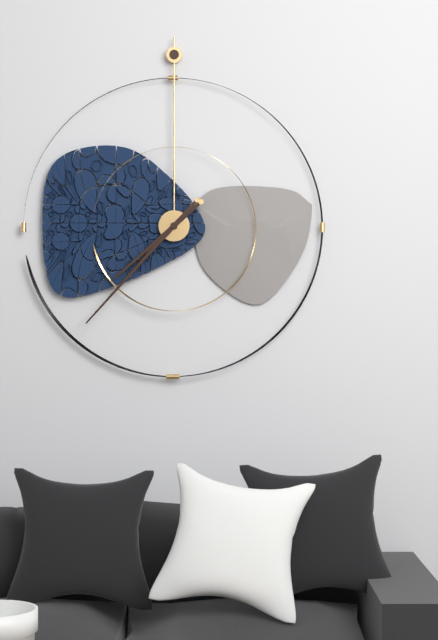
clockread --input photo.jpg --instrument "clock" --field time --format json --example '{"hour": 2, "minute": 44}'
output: {"hour": 7, "minute": 37}
